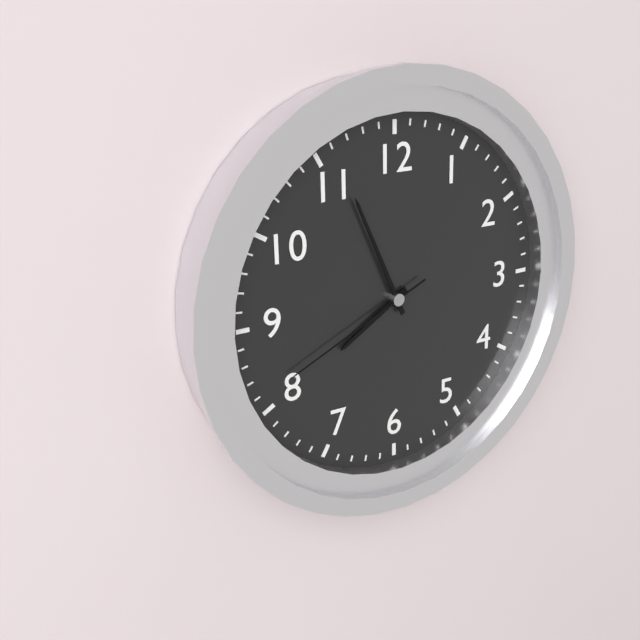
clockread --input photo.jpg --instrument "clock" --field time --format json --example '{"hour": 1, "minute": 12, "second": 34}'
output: {"hour": 7, "minute": 56, "second": 41}
